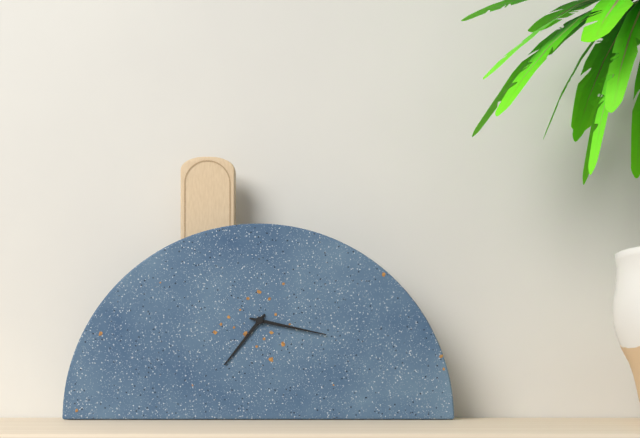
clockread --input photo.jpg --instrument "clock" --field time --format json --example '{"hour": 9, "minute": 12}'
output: {"hour": 7, "minute": 17}
